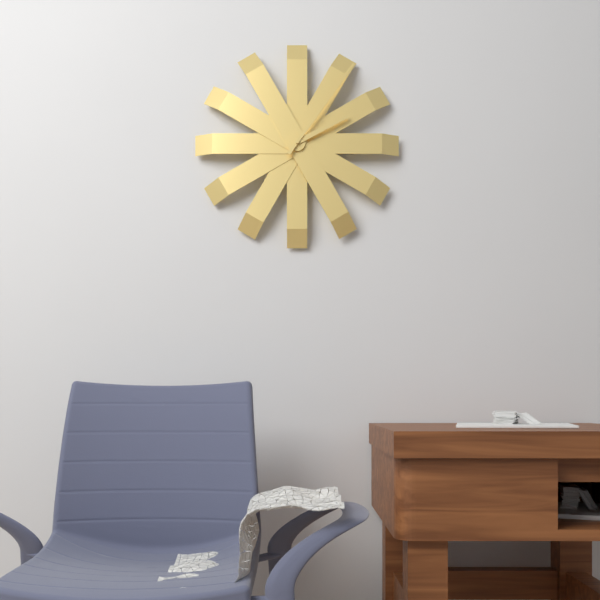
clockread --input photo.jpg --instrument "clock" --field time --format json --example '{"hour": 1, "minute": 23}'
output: {"hour": 2, "minute": 6}
